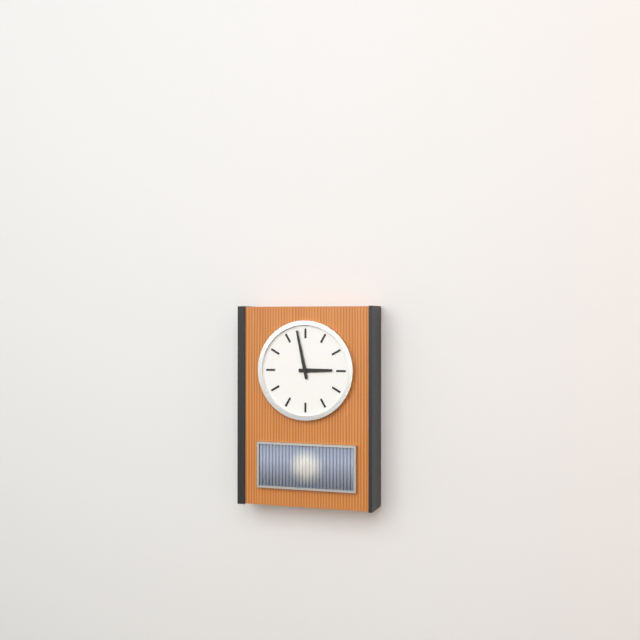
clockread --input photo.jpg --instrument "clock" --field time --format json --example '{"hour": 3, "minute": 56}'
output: {"hour": 2, "minute": 58}
